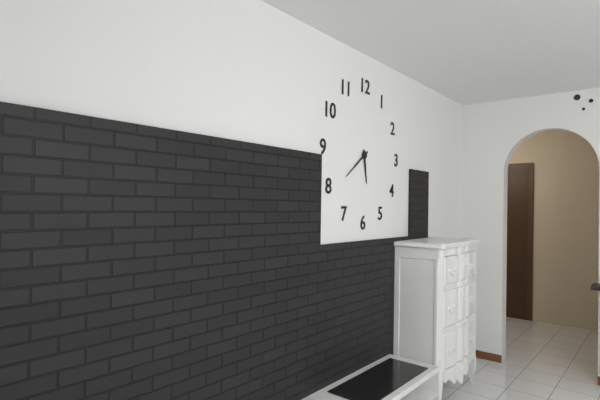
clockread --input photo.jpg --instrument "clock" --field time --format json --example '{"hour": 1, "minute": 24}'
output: {"hour": 5, "minute": 39}
